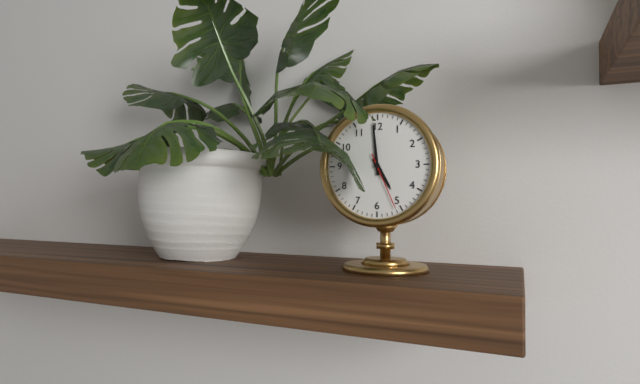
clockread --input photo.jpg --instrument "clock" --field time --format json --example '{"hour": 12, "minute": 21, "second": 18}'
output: {"hour": 4, "minute": 59, "second": 26}
